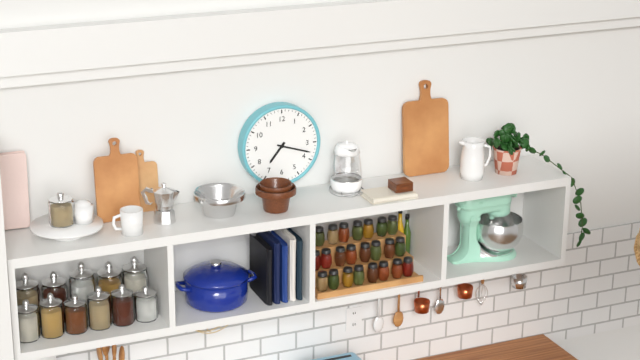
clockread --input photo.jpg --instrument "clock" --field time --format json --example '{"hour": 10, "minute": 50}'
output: {"hour": 7, "minute": 18}
